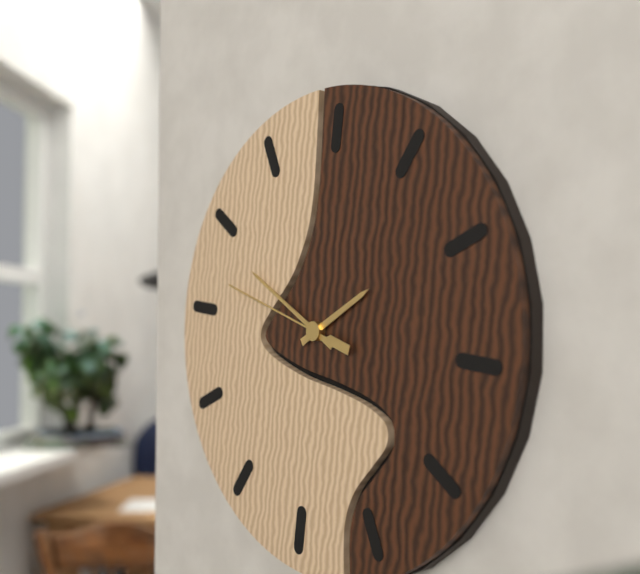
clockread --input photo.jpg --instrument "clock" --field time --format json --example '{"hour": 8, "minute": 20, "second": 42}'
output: {"hour": 1, "minute": 49, "second": 47}
